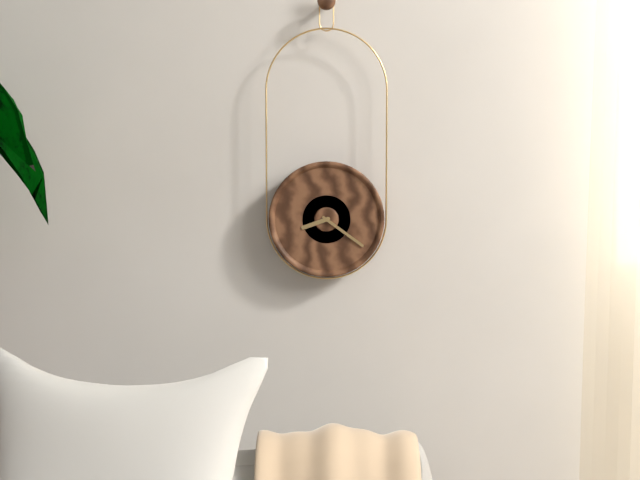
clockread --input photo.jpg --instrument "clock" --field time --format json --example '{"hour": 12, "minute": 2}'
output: {"hour": 8, "minute": 21}
